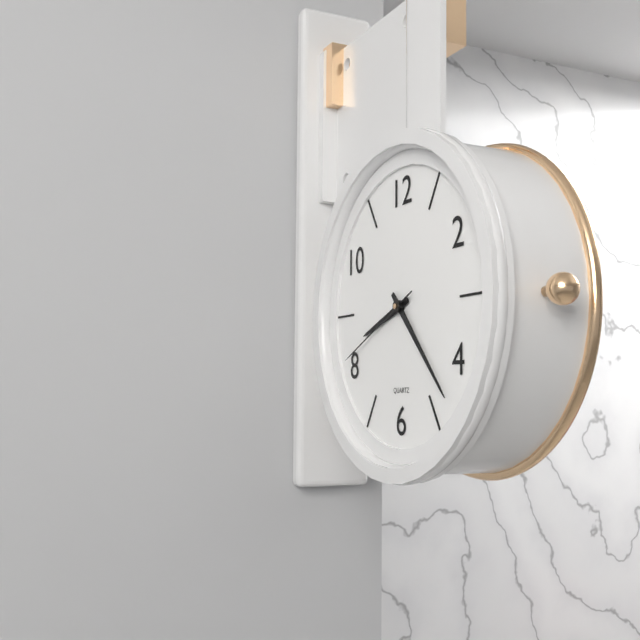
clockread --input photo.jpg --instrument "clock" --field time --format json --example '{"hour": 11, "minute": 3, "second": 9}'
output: {"hour": 8, "minute": 23, "second": 41}
